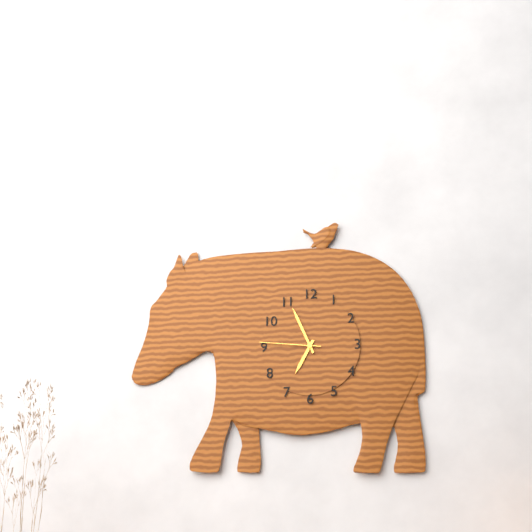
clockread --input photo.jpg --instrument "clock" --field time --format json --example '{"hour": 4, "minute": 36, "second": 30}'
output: {"hour": 6, "minute": 56, "second": 46}
